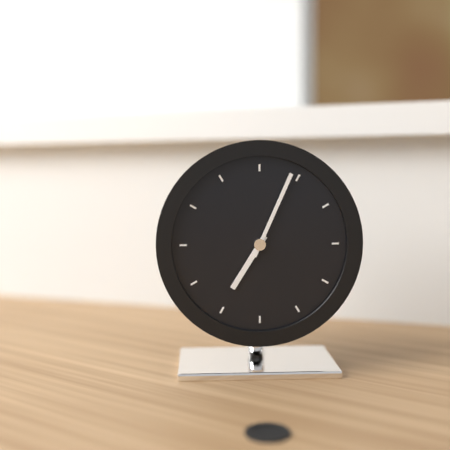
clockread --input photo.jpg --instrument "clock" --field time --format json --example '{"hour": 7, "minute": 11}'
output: {"hour": 7, "minute": 4}
